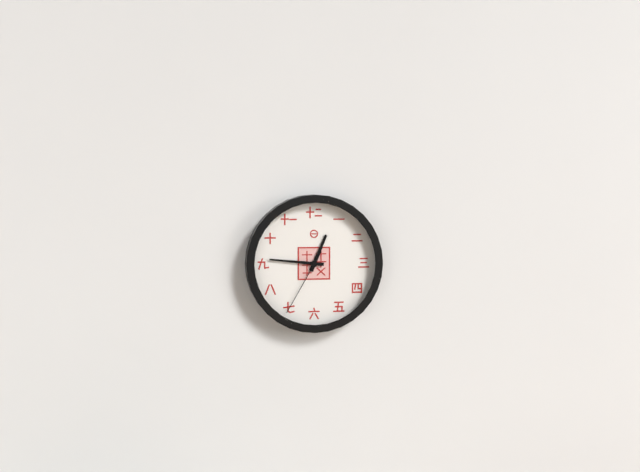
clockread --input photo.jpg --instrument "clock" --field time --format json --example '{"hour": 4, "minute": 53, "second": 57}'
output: {"hour": 12, "minute": 46, "second": 35}
